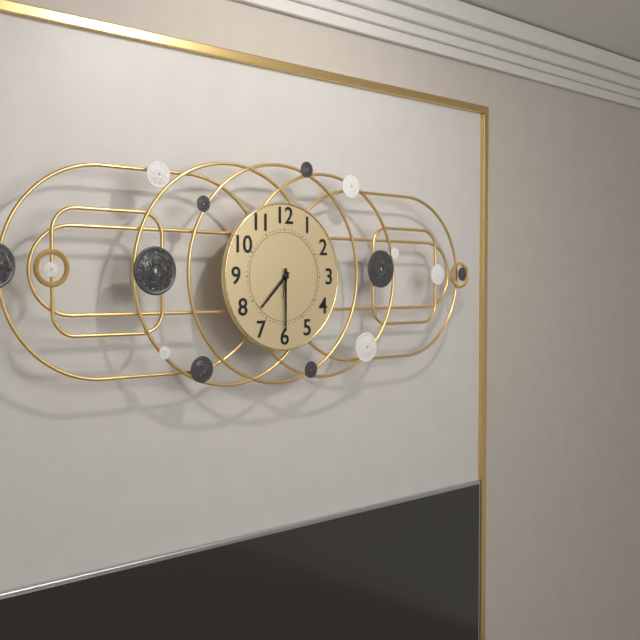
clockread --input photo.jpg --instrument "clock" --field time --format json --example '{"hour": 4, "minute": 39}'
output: {"hour": 7, "minute": 30}
